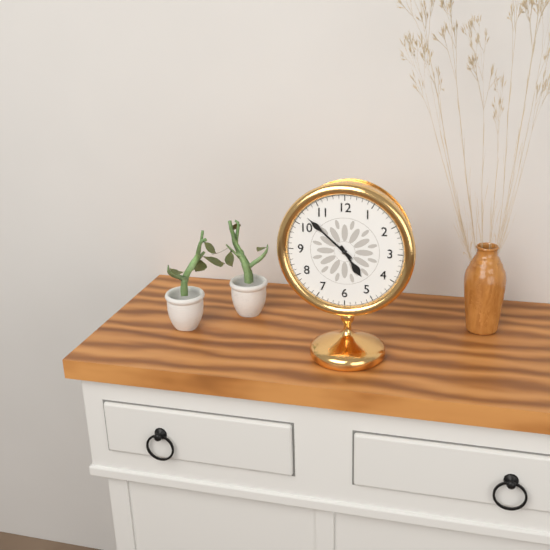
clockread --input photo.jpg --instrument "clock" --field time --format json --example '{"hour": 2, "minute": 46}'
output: {"hour": 4, "minute": 52}
